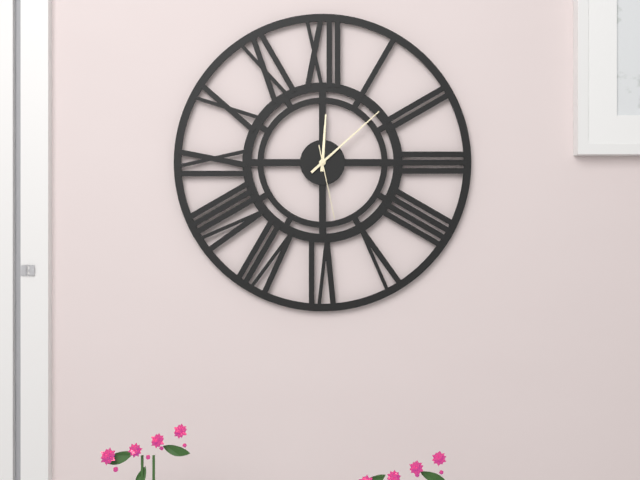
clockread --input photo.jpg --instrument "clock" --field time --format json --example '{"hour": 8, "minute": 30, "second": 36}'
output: {"hour": 12, "minute": 8, "second": 28}
